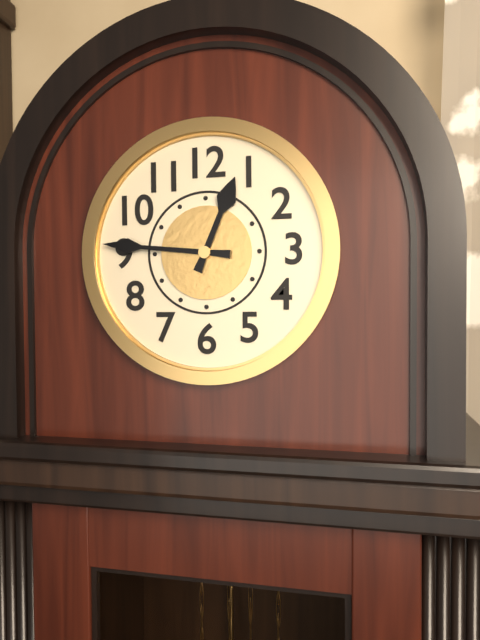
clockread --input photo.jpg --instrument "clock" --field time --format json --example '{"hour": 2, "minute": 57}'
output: {"hour": 12, "minute": 46}
